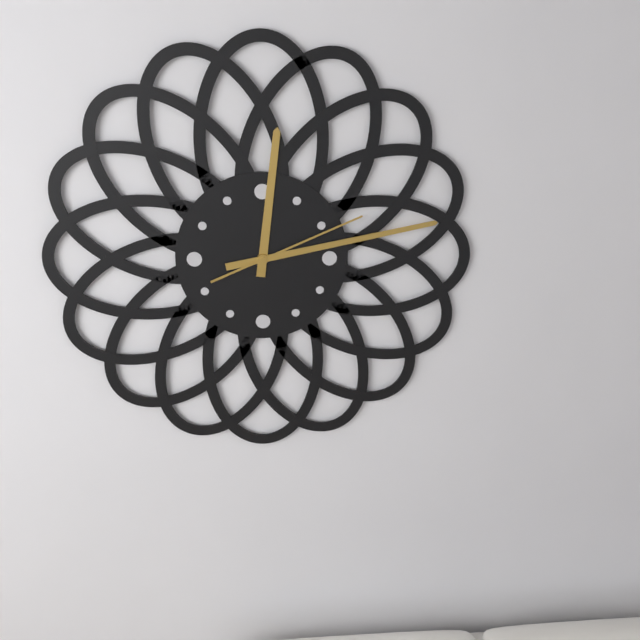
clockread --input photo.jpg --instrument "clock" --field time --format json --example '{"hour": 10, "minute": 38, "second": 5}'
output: {"hour": 12, "minute": 13, "second": 11}
